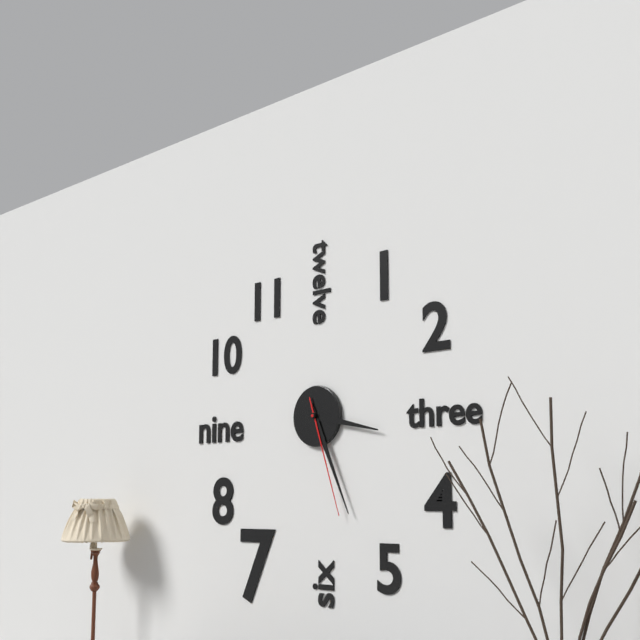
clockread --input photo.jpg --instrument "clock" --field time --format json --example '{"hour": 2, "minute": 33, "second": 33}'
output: {"hour": 3, "minute": 26, "second": 27}
